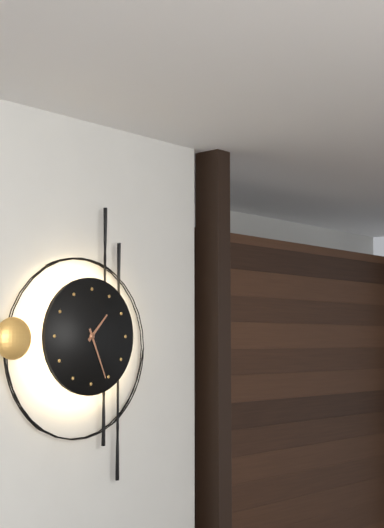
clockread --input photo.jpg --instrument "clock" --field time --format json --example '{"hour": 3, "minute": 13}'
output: {"hour": 1, "minute": 26}
